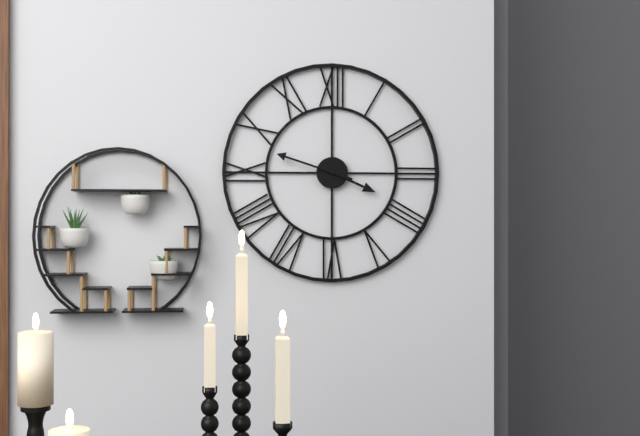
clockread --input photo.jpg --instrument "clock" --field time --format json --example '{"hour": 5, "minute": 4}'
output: {"hour": 3, "minute": 48}
